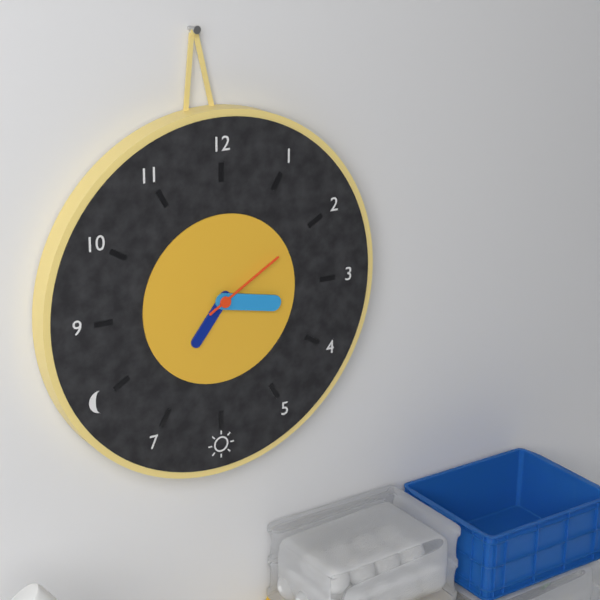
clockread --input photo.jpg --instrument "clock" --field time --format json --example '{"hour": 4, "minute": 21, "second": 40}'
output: {"hour": 7, "minute": 17, "second": 10}
